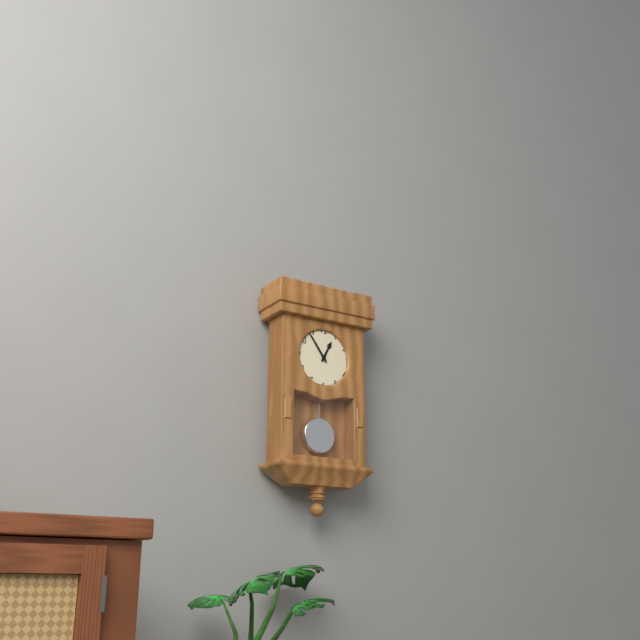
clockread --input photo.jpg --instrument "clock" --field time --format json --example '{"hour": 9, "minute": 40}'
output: {"hour": 12, "minute": 54}
